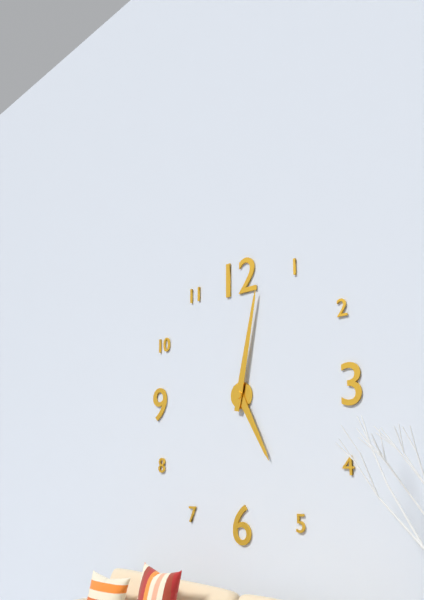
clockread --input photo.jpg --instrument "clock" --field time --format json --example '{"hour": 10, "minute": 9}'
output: {"hour": 5, "minute": 2}
